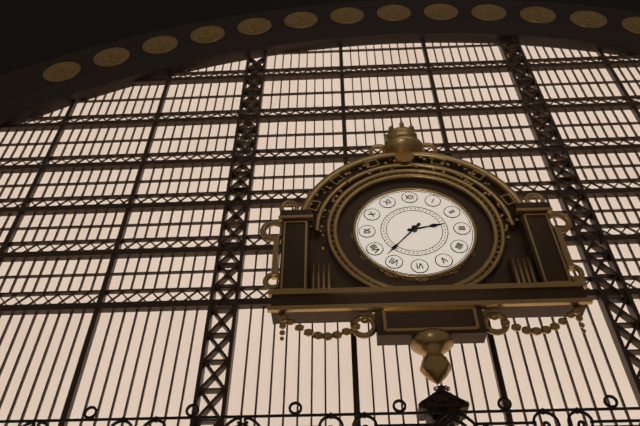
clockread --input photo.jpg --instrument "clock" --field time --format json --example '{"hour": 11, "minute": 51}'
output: {"hour": 2, "minute": 37}
